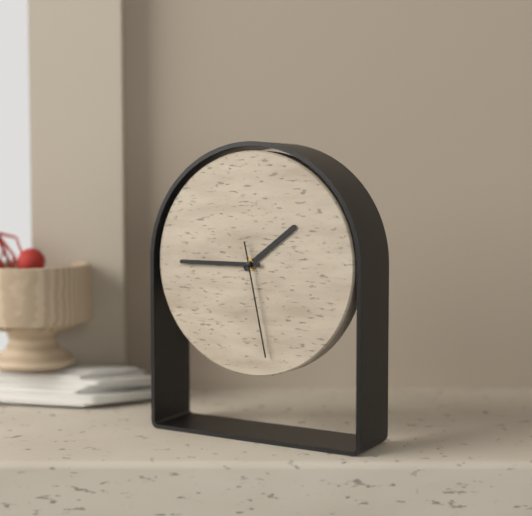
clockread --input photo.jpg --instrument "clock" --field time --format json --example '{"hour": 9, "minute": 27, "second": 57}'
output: {"hour": 1, "minute": 45, "second": 28}
